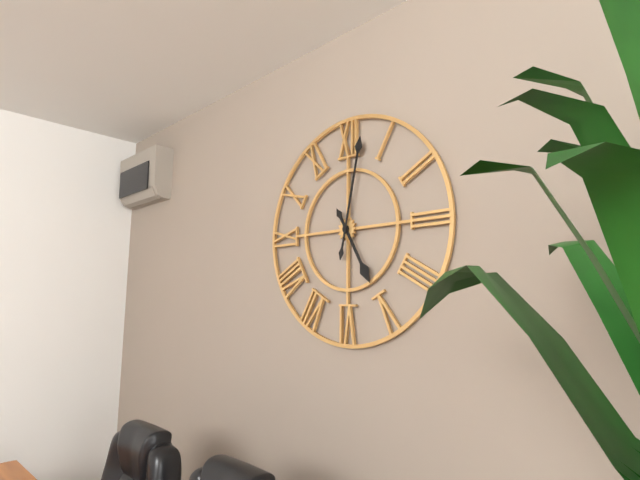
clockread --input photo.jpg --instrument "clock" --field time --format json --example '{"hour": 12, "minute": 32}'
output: {"hour": 5, "minute": 2}
